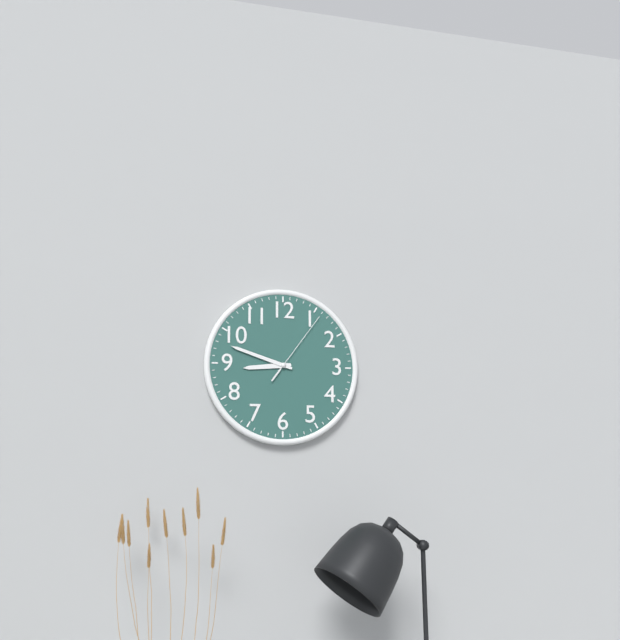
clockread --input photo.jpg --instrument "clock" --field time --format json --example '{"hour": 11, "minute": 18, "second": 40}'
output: {"hour": 8, "minute": 48, "second": 6}
